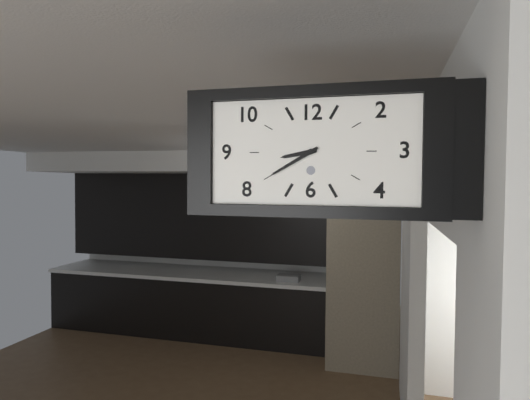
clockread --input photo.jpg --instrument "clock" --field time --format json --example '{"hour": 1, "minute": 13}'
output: {"hour": 8, "minute": 40}
